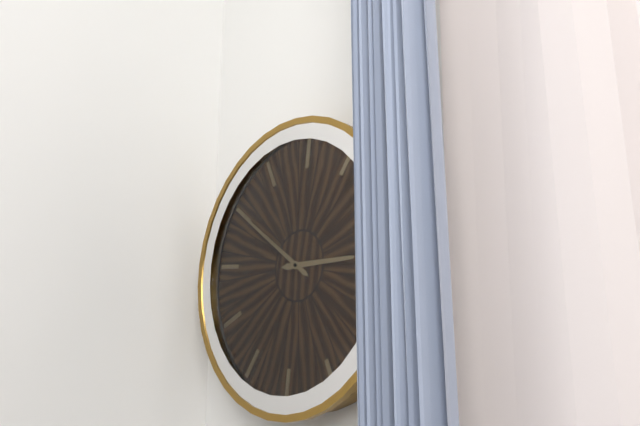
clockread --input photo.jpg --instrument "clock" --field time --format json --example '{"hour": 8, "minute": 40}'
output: {"hour": 2, "minute": 50}
